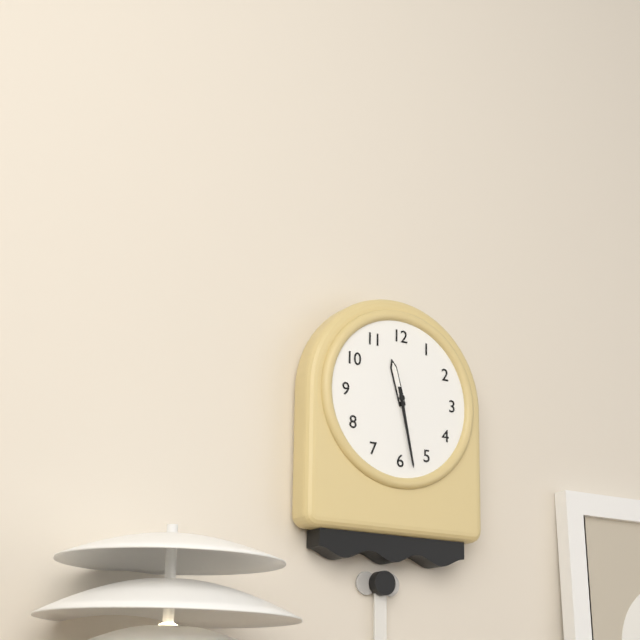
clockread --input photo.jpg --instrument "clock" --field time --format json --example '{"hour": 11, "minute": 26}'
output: {"hour": 11, "minute": 28}
